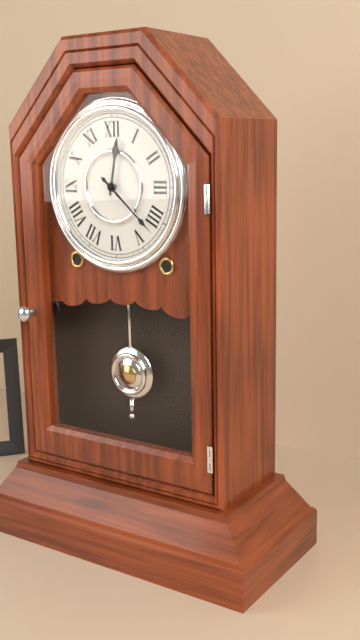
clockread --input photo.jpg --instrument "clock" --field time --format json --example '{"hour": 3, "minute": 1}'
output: {"hour": 12, "minute": 22}
